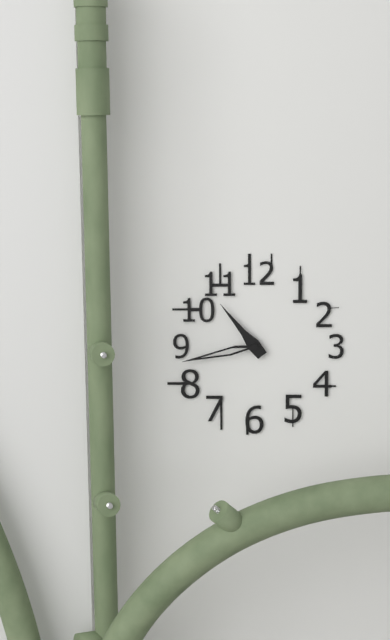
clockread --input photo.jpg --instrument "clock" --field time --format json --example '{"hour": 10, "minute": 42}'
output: {"hour": 10, "minute": 43}
